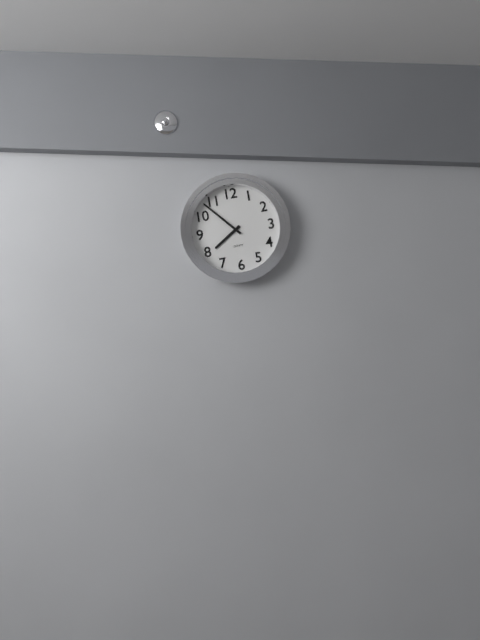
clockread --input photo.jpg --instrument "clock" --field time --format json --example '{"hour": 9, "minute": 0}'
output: {"hour": 7, "minute": 53}
